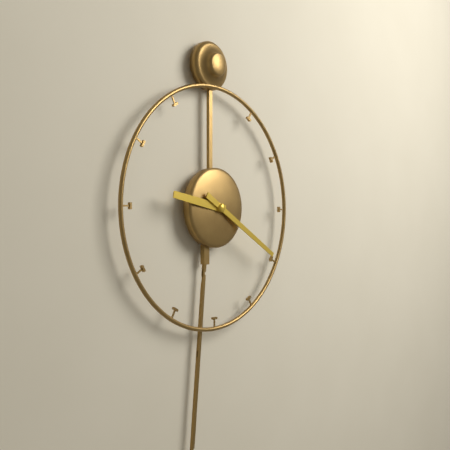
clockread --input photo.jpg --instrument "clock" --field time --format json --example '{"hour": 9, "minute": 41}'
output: {"hour": 9, "minute": 20}
